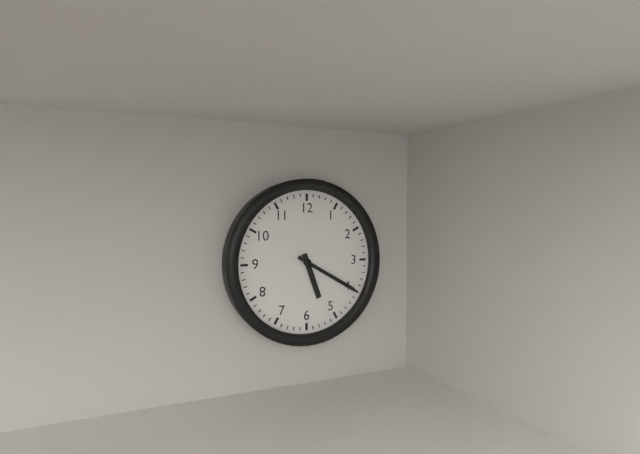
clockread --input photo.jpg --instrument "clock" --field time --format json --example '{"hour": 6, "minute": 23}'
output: {"hour": 5, "minute": 20}
